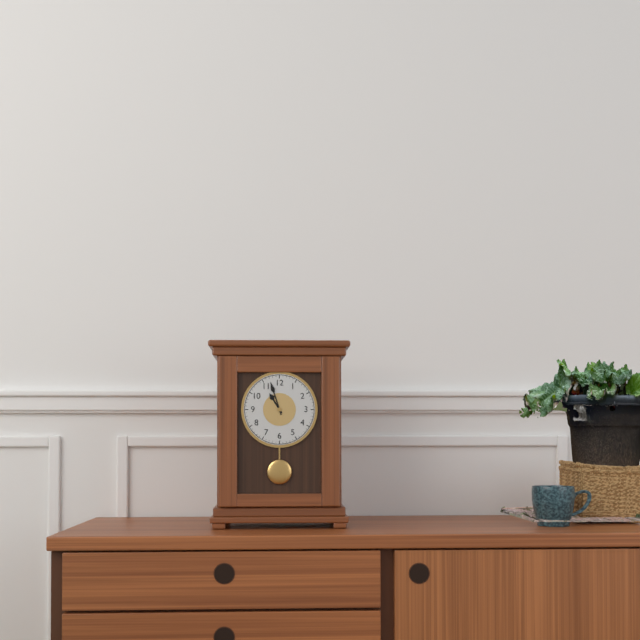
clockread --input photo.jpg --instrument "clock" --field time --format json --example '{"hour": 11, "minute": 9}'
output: {"hour": 10, "minute": 57}
